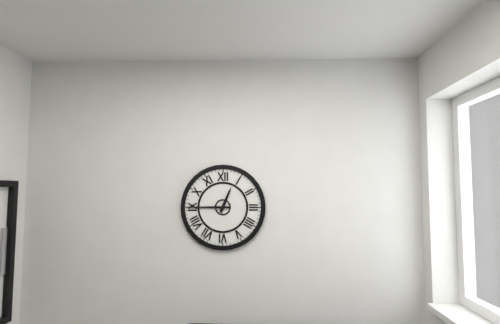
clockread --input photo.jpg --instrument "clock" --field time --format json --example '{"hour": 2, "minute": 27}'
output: {"hour": 12, "minute": 45}
